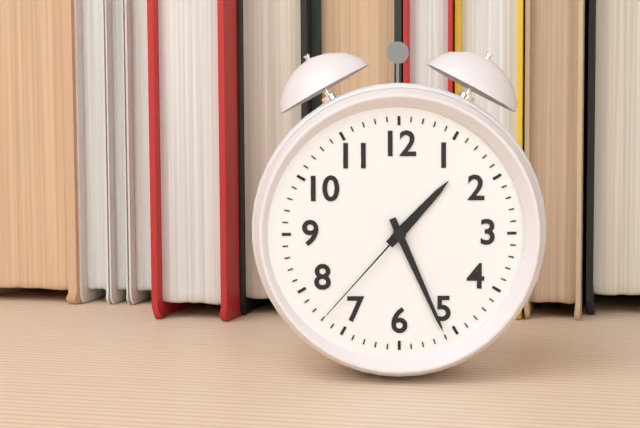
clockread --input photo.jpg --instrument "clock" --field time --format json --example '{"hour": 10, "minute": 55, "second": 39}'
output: {"hour": 1, "minute": 26, "second": 37}
